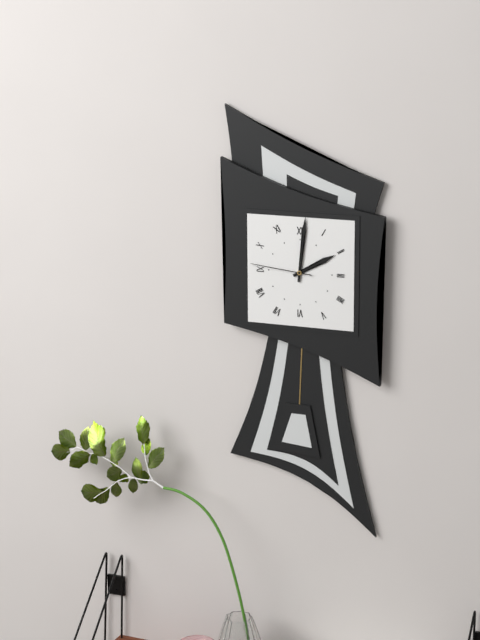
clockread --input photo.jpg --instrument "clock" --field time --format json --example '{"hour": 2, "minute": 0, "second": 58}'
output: {"hour": 2, "minute": 1, "second": 46}
